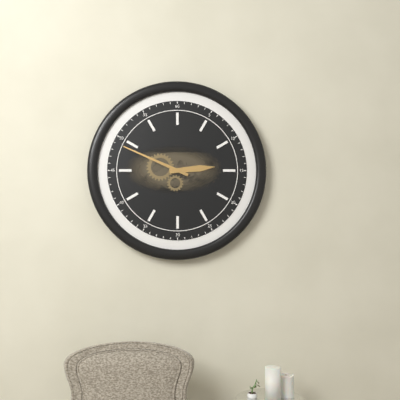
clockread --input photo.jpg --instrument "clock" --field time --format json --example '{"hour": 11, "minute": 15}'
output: {"hour": 2, "minute": 49}
